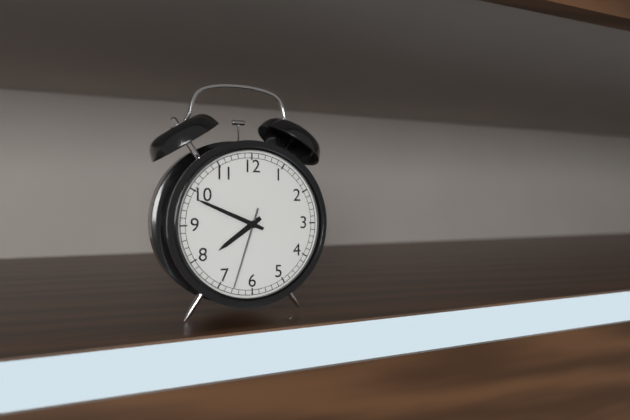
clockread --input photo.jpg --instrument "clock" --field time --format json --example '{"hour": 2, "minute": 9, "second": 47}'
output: {"hour": 7, "minute": 49, "second": 33}
